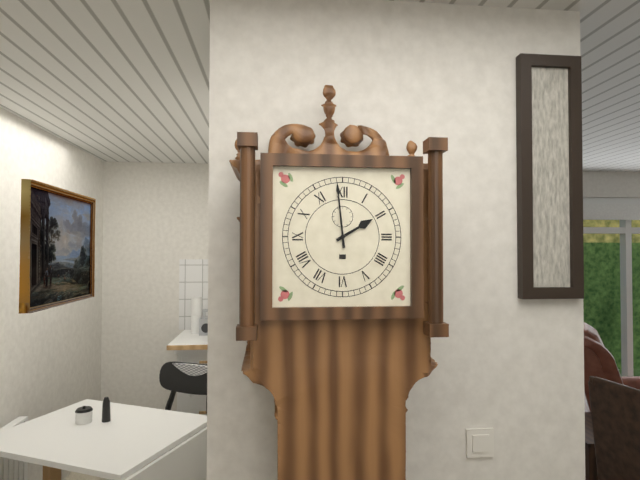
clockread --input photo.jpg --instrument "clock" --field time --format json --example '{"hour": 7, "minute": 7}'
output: {"hour": 1, "minute": 59}
